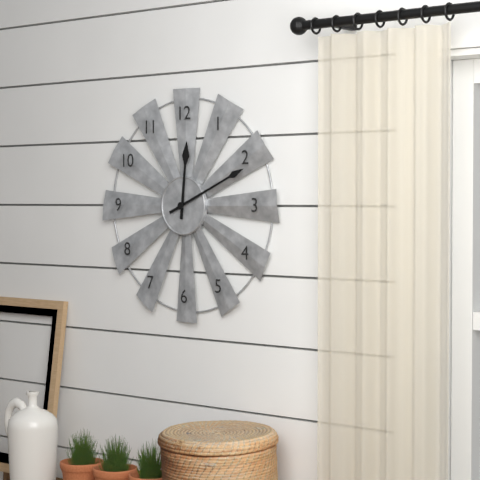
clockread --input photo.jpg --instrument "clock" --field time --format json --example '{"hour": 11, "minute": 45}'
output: {"hour": 12, "minute": 11}
